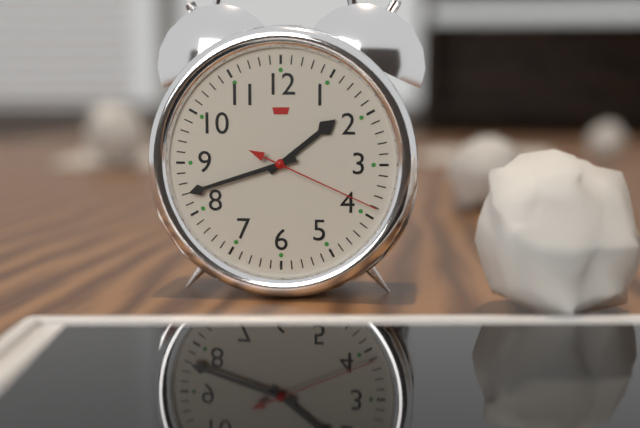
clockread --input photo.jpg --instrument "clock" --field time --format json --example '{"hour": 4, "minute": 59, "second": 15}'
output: {"hour": 1, "minute": 42, "second": 19}
